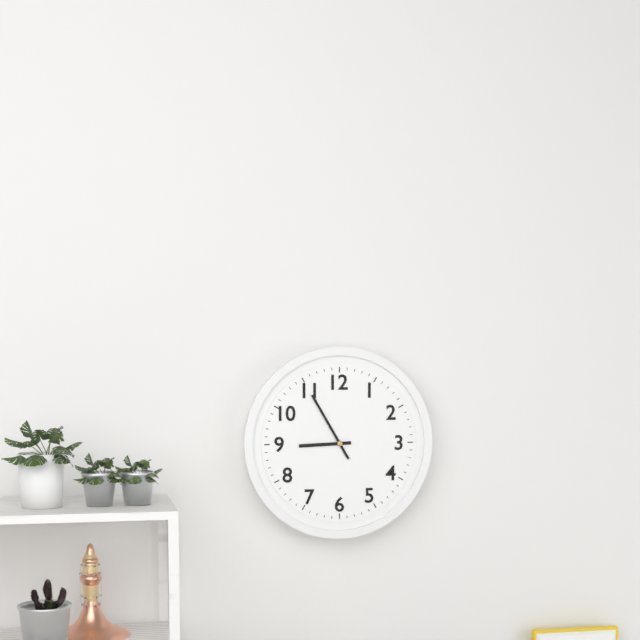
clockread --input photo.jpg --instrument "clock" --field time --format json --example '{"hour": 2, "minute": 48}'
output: {"hour": 8, "minute": 55}
